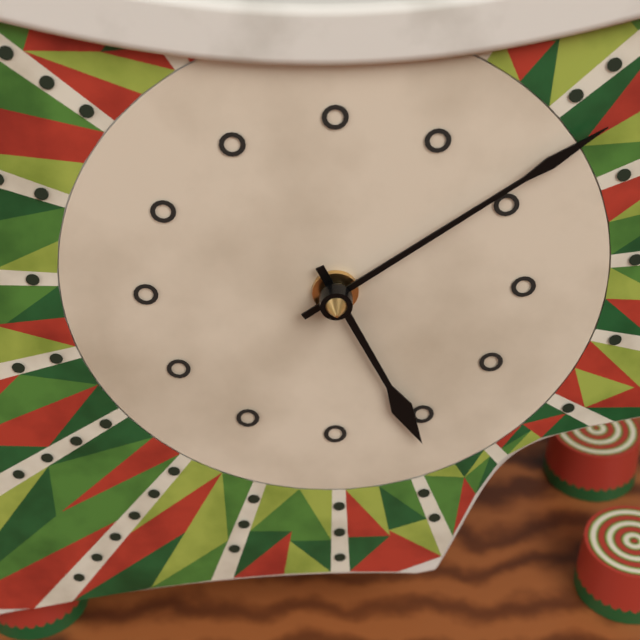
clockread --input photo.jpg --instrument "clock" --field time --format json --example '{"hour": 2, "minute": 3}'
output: {"hour": 5, "minute": 9}
